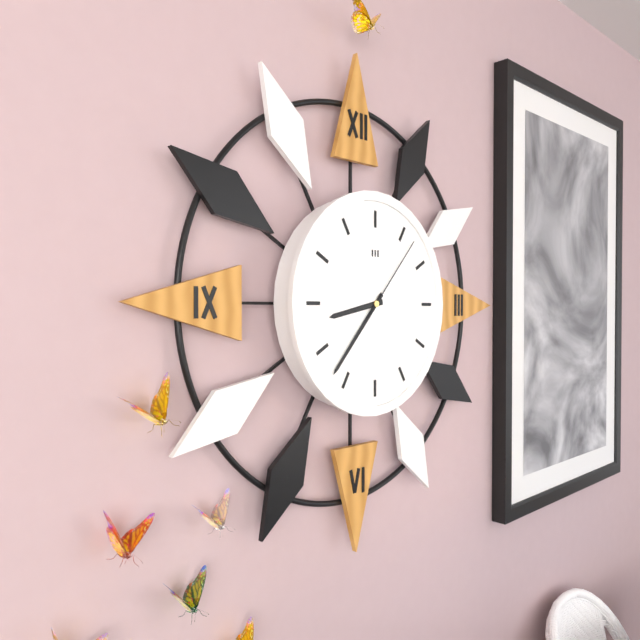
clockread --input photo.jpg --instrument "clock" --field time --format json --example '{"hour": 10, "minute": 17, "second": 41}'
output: {"hour": 8, "minute": 37, "second": 7}
